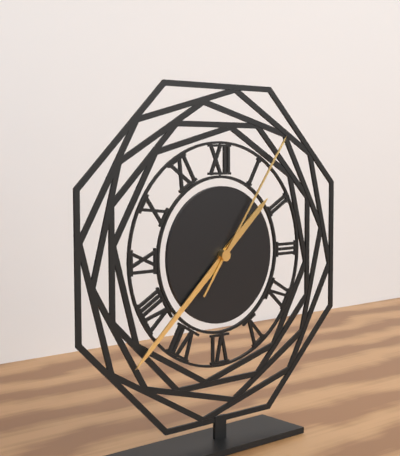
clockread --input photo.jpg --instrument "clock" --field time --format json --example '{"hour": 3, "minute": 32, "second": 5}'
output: {"hour": 1, "minute": 38, "second": 6}
